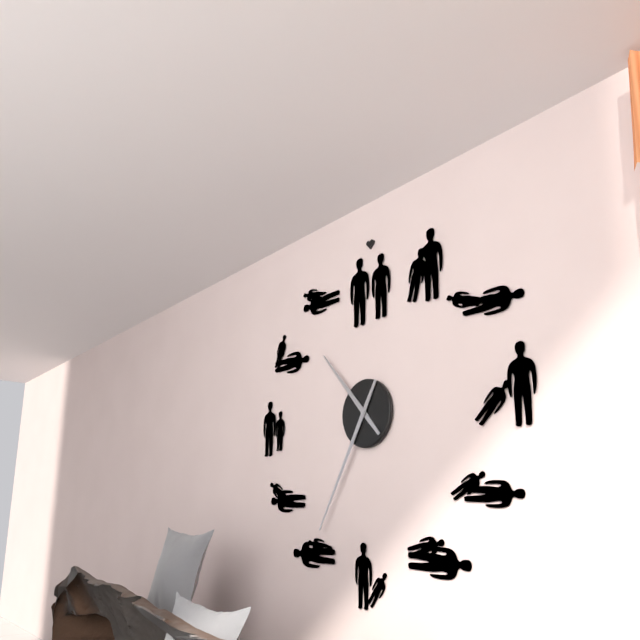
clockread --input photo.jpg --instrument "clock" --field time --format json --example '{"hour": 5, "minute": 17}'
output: {"hour": 10, "minute": 35}
